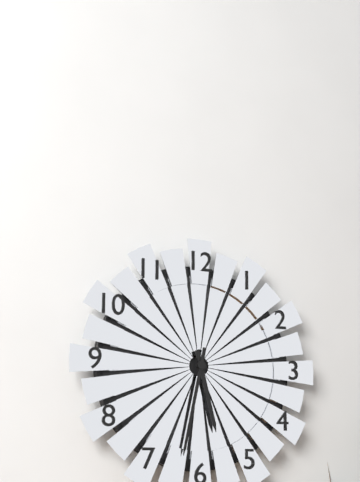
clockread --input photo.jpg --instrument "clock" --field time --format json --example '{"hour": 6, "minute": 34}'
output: {"hour": 5, "minute": 32}
